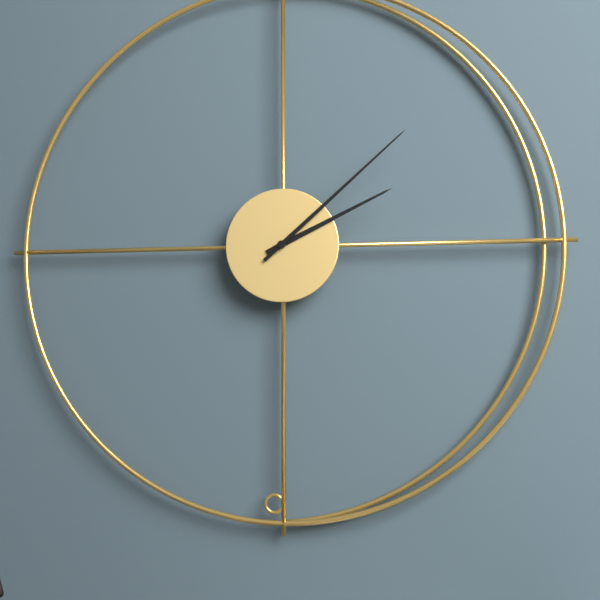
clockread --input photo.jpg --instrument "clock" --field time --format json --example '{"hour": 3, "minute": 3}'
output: {"hour": 2, "minute": 8}
